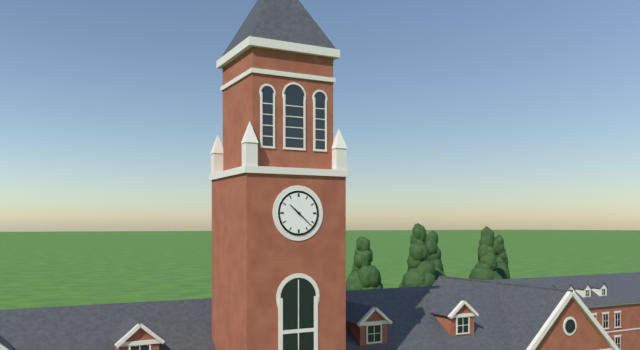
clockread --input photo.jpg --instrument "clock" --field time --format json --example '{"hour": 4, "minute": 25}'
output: {"hour": 10, "minute": 22}
